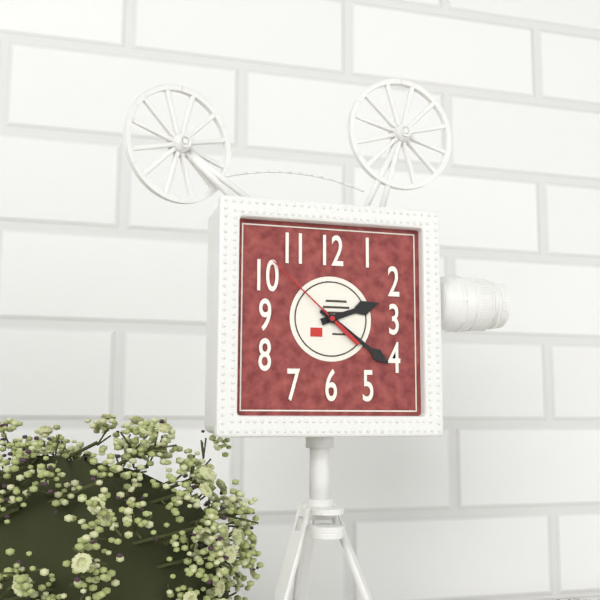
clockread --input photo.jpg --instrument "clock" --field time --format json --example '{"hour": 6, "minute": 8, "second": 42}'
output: {"hour": 2, "minute": 21, "second": 52}
